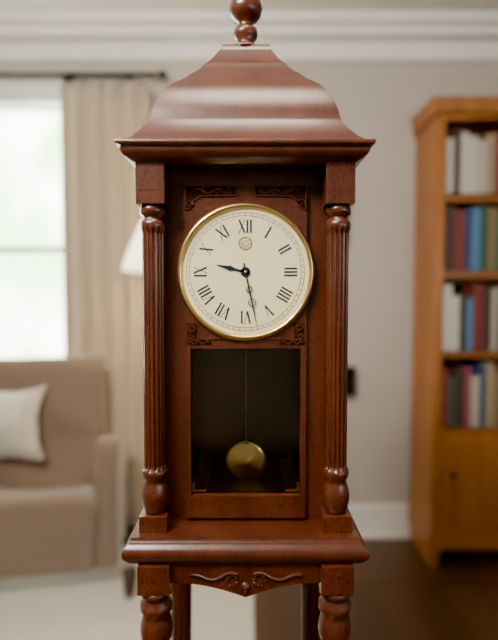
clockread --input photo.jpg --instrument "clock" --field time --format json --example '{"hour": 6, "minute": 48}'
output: {"hour": 9, "minute": 28}
